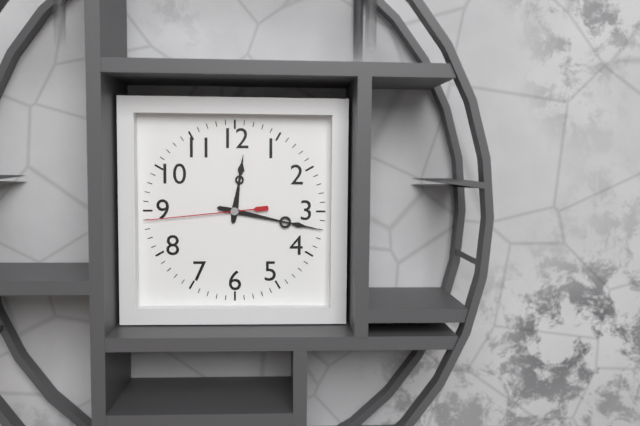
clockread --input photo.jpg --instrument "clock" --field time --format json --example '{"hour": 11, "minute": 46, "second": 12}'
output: {"hour": 12, "minute": 17, "second": 44}
